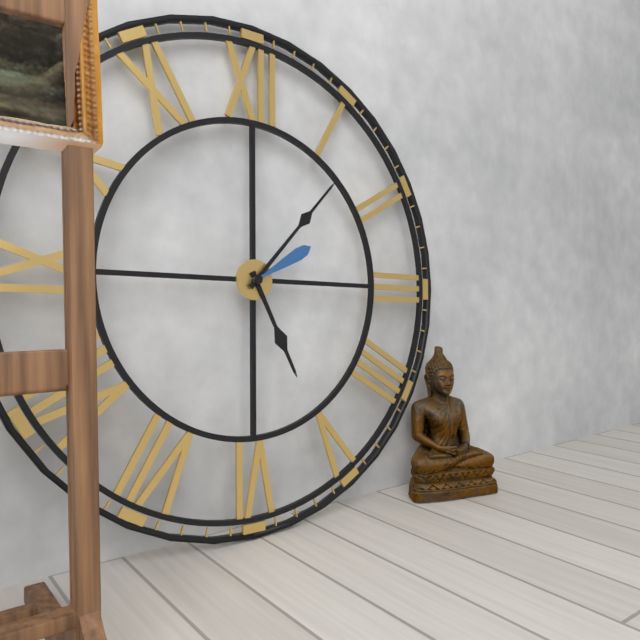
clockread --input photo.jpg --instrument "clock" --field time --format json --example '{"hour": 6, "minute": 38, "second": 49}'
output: {"hour": 5, "minute": 7, "second": 10}
